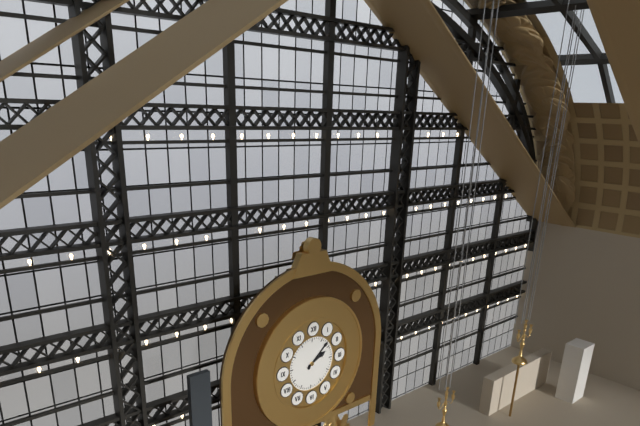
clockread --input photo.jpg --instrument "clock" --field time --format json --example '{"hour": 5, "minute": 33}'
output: {"hour": 2, "minute": 8}
